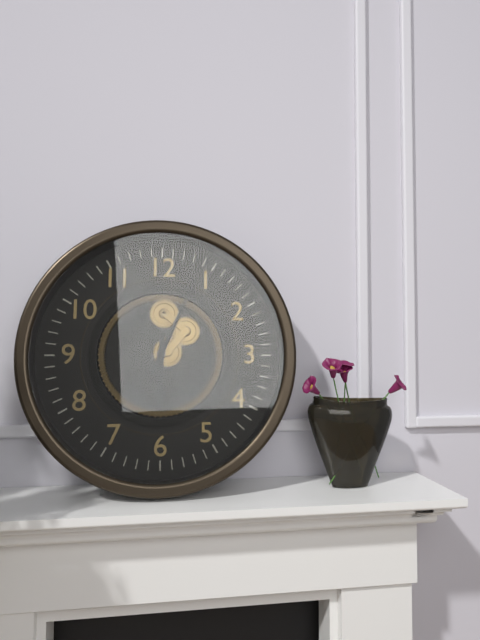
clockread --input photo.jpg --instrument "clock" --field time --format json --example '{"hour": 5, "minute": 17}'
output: {"hour": 6, "minute": 4}
